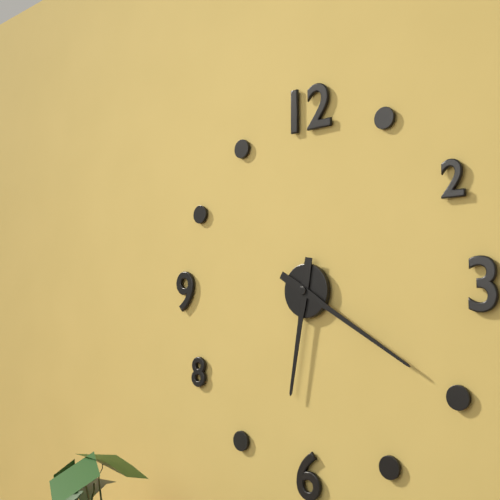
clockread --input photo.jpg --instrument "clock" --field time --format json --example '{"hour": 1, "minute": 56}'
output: {"hour": 6, "minute": 20}
